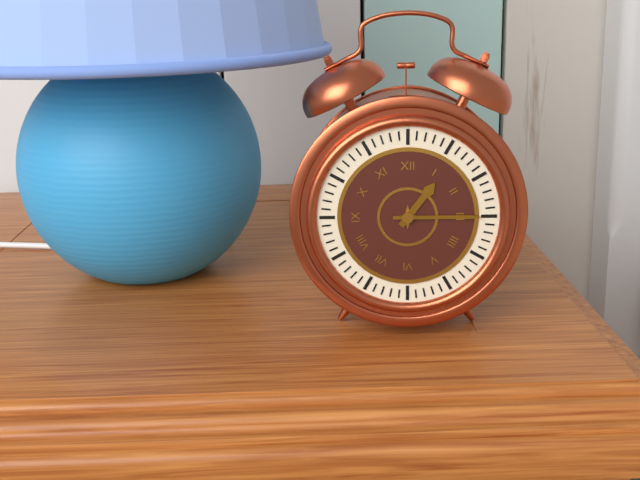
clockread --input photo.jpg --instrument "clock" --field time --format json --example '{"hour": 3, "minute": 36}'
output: {"hour": 1, "minute": 15}
